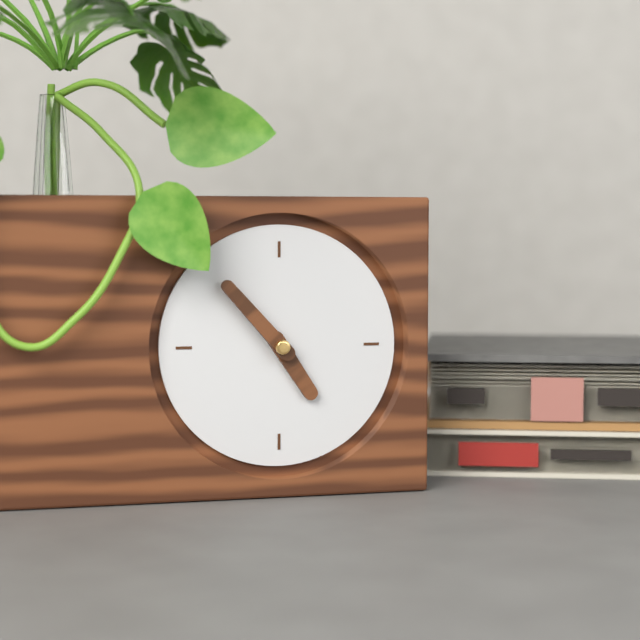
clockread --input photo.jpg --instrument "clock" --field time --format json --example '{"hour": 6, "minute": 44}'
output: {"hour": 4, "minute": 53}
